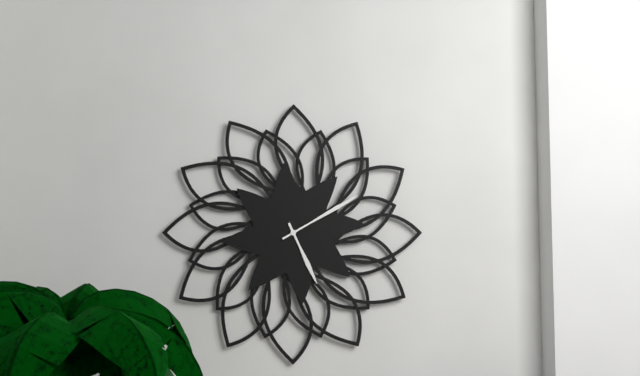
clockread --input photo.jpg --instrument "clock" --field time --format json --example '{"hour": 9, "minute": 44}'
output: {"hour": 5, "minute": 10}
